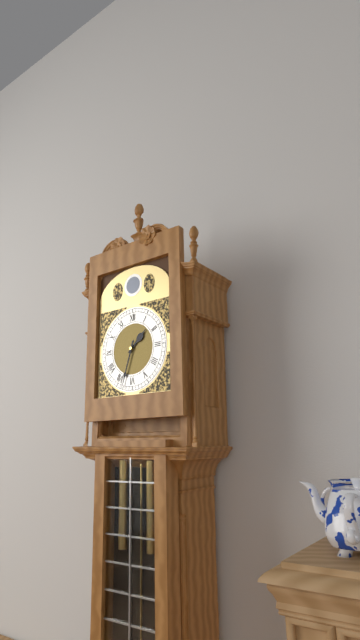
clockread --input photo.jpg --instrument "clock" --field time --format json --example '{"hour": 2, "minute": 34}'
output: {"hour": 1, "minute": 33}
